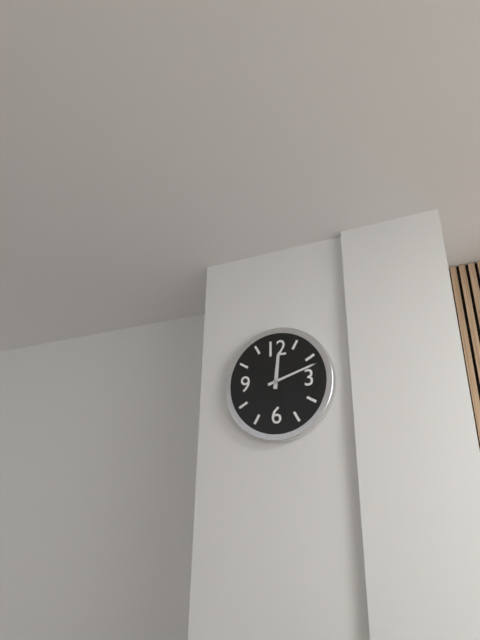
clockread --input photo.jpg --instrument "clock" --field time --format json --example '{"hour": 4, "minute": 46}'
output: {"hour": 12, "minute": 12}
